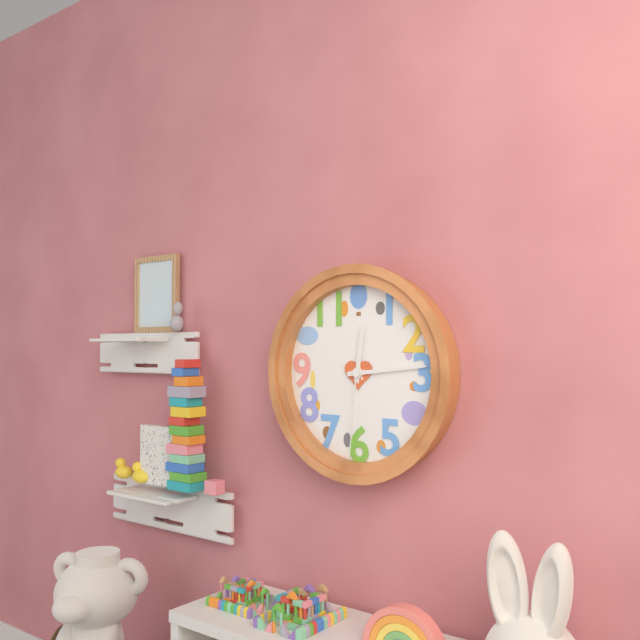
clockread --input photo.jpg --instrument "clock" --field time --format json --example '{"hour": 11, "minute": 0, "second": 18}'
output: {"hour": 12, "minute": 14, "second": 31}
